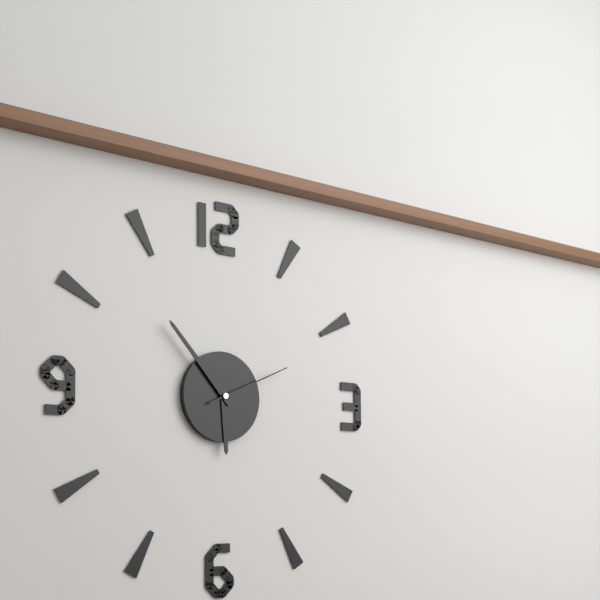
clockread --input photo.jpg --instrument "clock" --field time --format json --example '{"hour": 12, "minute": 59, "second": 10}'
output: {"hour": 5, "minute": 53, "second": 11}
